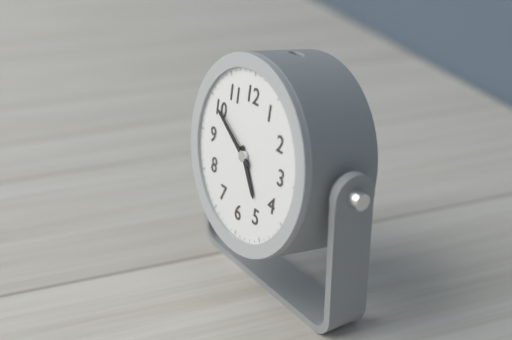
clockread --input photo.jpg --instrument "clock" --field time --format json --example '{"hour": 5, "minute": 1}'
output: {"hour": 4, "minute": 50}
